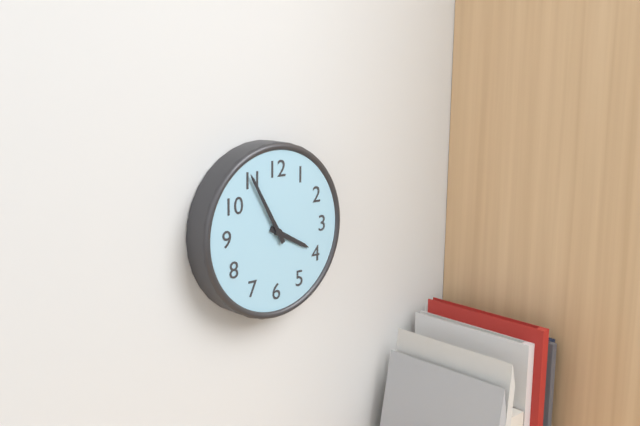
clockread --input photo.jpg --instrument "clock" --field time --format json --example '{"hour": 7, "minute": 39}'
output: {"hour": 3, "minute": 55}
